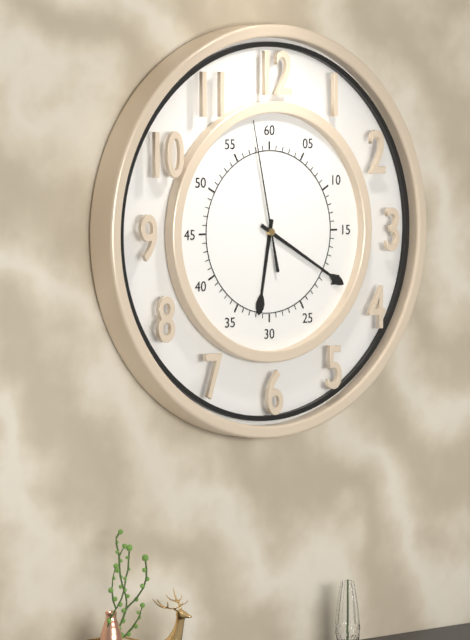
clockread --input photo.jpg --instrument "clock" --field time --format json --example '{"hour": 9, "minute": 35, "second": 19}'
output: {"hour": 6, "minute": 20, "second": 58}
